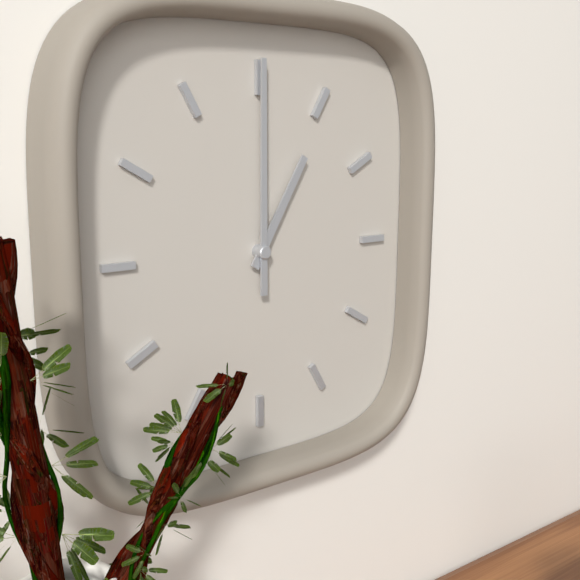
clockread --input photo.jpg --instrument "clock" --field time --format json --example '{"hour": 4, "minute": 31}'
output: {"hour": 1, "minute": 0}
